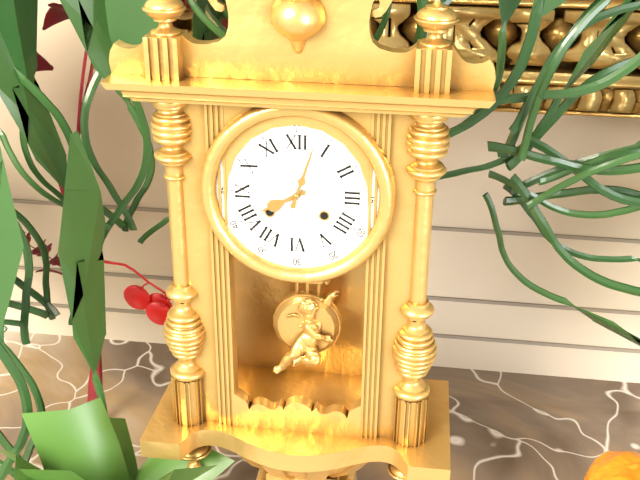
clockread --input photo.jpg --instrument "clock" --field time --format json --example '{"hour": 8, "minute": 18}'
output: {"hour": 8, "minute": 3}
